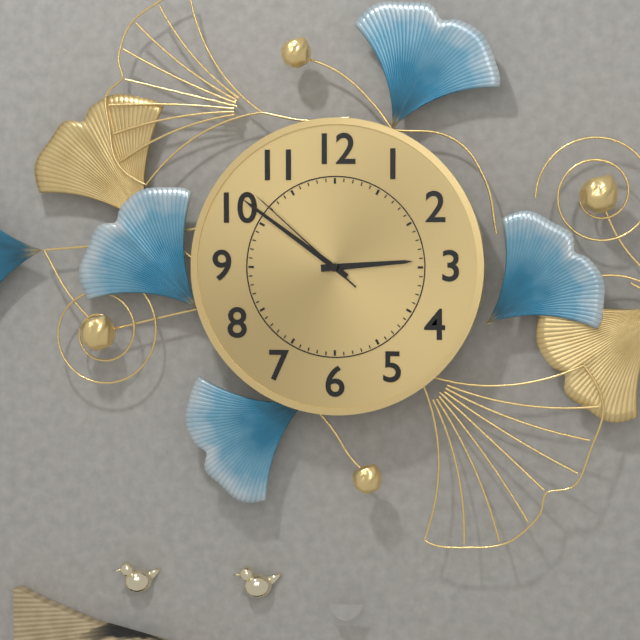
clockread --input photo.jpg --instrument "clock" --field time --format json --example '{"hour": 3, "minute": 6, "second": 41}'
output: {"hour": 2, "minute": 51, "second": 52}
